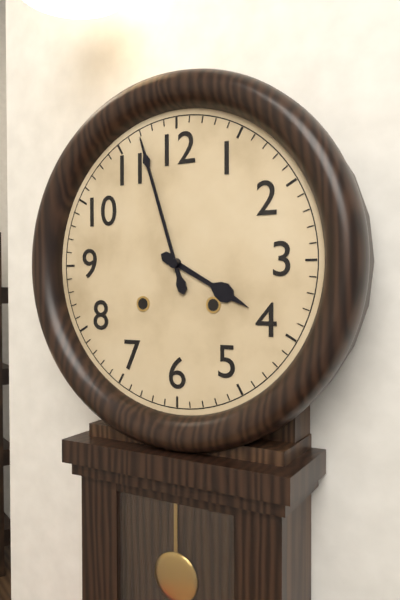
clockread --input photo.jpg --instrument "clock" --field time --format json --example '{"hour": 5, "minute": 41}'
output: {"hour": 3, "minute": 57}
